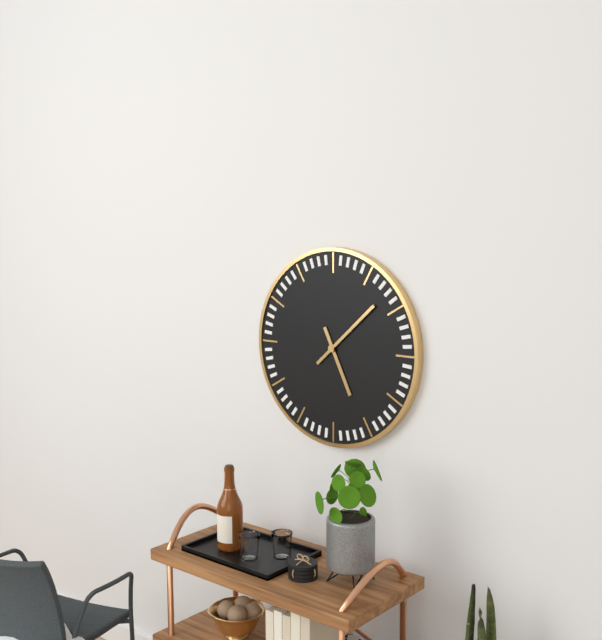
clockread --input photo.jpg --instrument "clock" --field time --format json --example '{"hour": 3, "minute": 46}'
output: {"hour": 5, "minute": 8}
